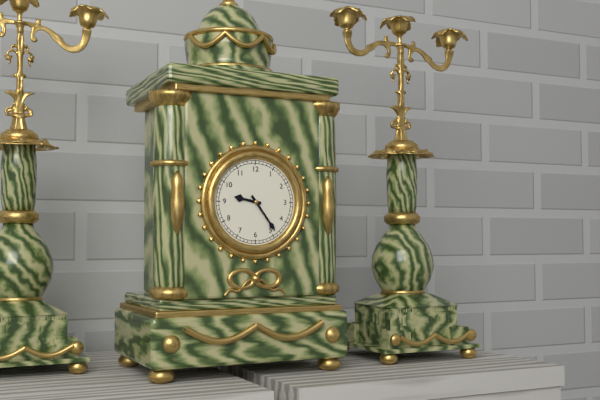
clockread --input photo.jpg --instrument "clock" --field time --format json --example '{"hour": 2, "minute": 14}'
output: {"hour": 9, "minute": 24}
